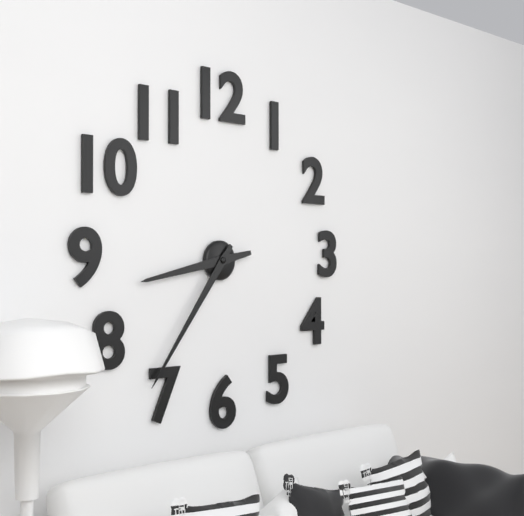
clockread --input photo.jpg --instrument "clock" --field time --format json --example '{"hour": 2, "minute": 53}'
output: {"hour": 8, "minute": 36}
